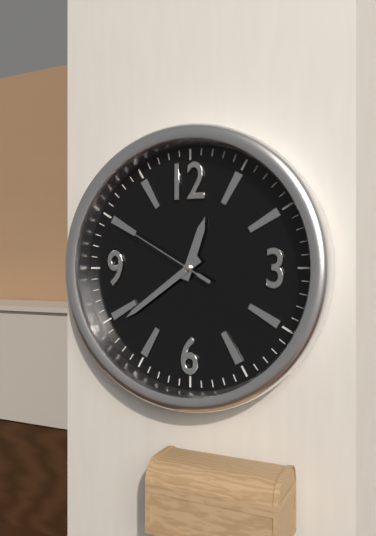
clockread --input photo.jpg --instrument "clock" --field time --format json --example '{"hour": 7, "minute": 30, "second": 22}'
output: {"hour": 12, "minute": 39, "second": 50}
